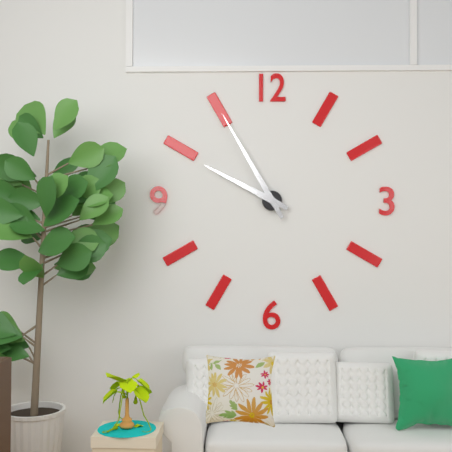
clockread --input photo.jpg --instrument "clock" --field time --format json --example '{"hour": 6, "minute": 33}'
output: {"hour": 9, "minute": 55}
